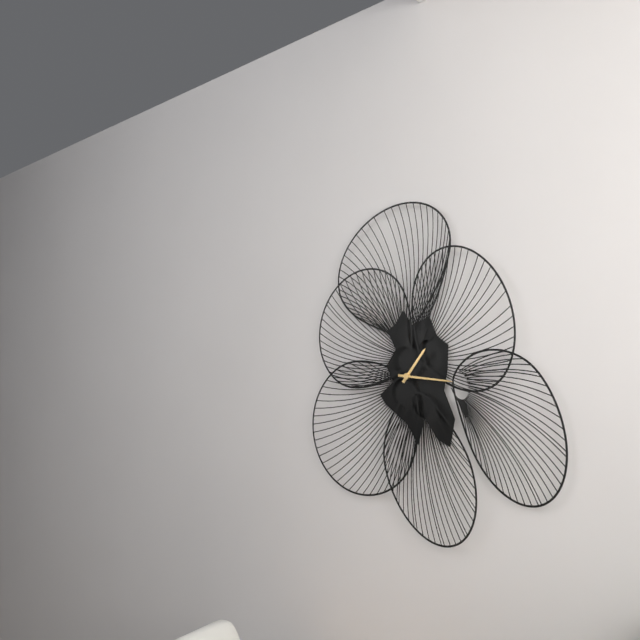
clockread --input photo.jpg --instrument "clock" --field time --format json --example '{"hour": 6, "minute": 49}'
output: {"hour": 1, "minute": 16}
